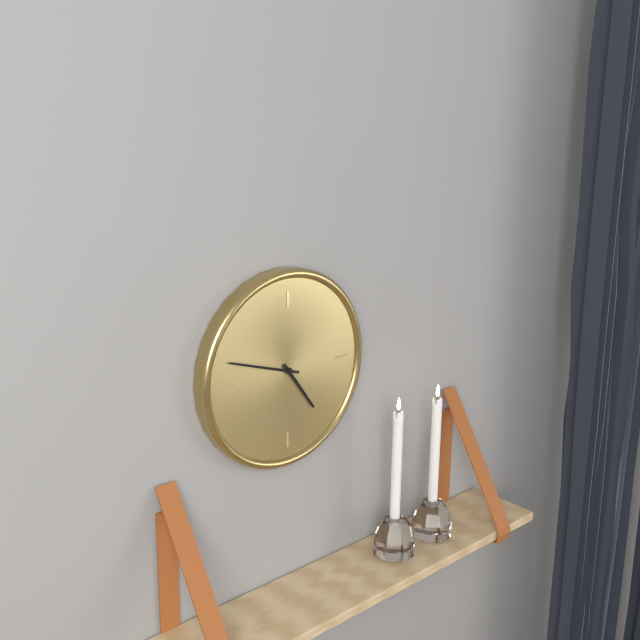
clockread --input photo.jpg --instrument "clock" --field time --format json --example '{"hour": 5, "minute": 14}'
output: {"hour": 4, "minute": 48}
